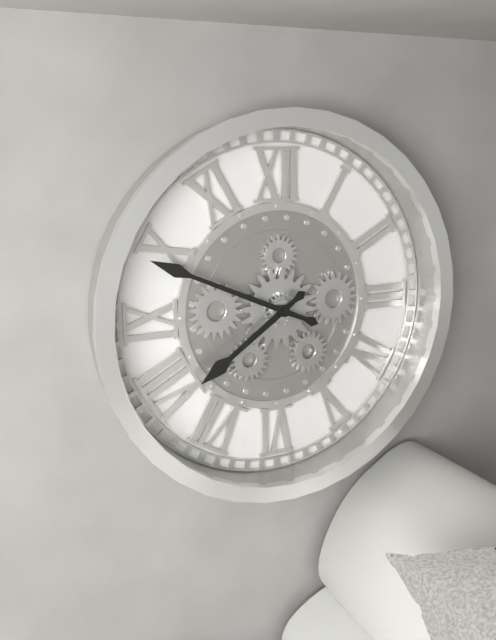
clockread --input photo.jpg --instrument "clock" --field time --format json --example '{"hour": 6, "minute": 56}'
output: {"hour": 7, "minute": 49}
